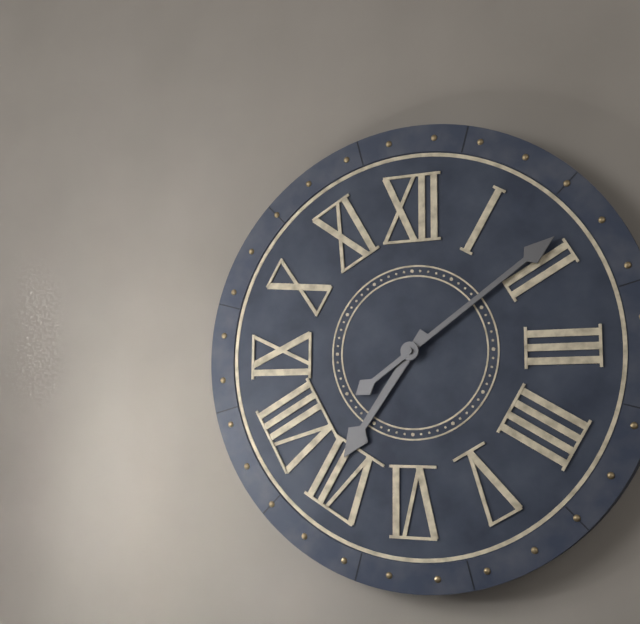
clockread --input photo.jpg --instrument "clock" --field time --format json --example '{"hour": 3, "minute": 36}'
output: {"hour": 7, "minute": 9}
